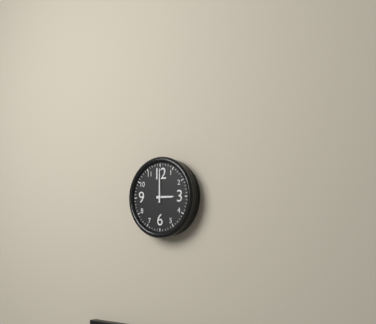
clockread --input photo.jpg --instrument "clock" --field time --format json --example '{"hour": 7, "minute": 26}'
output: {"hour": 3, "minute": 0}
